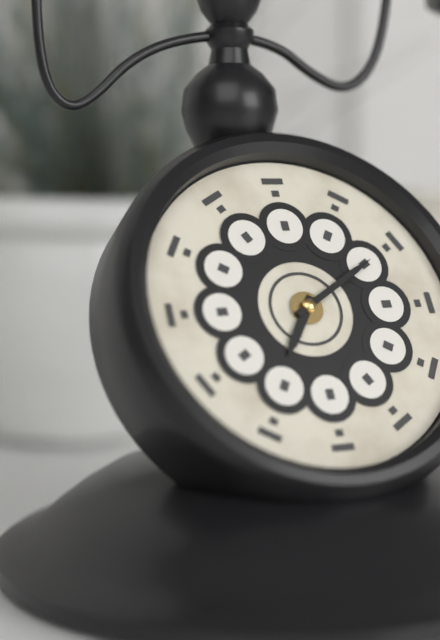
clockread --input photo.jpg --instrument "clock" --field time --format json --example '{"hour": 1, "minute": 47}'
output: {"hour": 7, "minute": 10}
